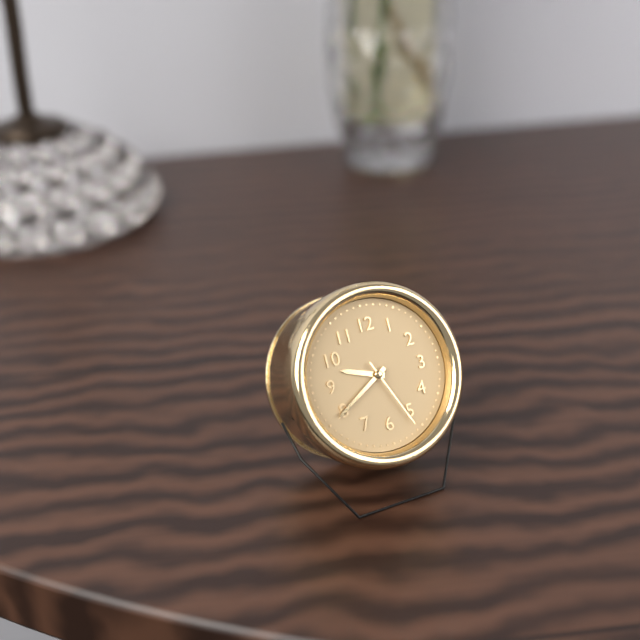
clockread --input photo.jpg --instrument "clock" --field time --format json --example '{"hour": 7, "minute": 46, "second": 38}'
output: {"hour": 9, "minute": 40, "second": 26}
